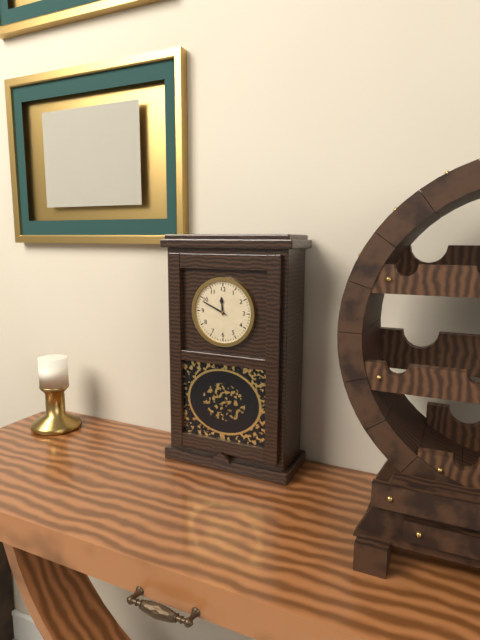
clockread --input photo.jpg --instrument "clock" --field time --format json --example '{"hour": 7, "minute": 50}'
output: {"hour": 11, "minute": 49}
